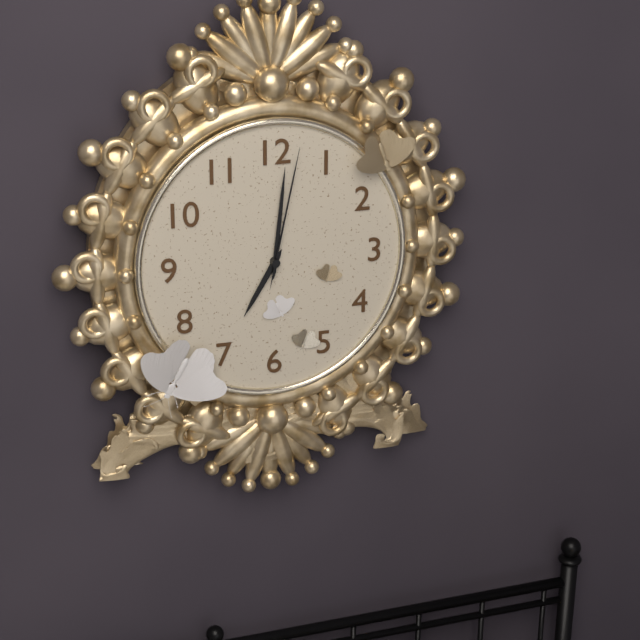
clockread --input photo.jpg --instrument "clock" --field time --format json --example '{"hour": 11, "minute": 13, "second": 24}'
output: {"hour": 7, "minute": 1, "second": 2}
